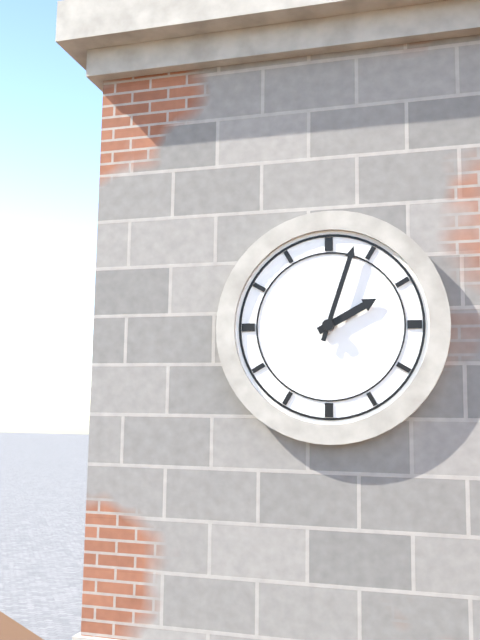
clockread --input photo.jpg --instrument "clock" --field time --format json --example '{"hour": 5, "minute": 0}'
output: {"hour": 2, "minute": 3}
